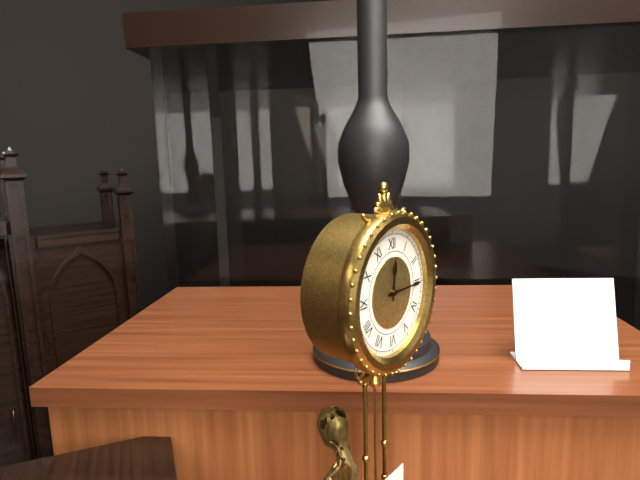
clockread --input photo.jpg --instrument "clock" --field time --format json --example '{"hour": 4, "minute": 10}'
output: {"hour": 12, "minute": 15}
